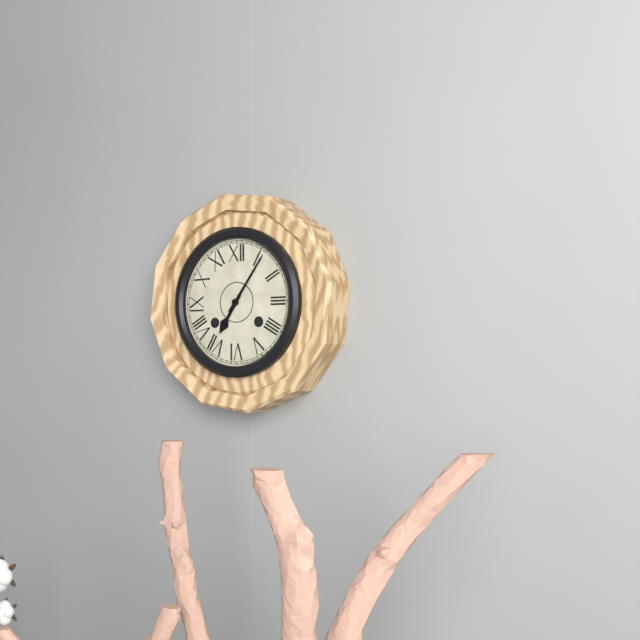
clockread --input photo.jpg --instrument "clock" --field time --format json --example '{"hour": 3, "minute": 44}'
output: {"hour": 7, "minute": 6}
